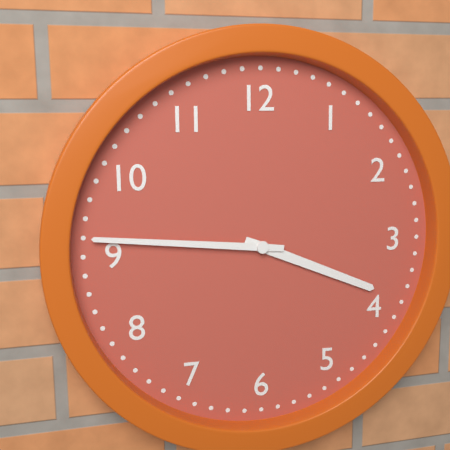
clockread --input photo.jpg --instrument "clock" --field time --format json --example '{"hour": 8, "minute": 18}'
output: {"hour": 3, "minute": 46}
